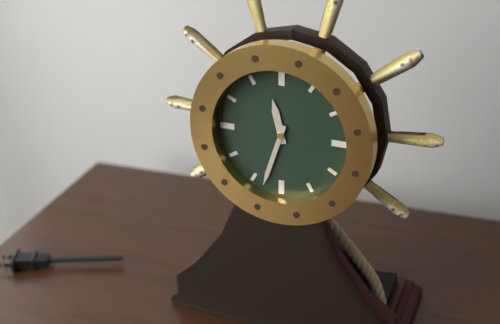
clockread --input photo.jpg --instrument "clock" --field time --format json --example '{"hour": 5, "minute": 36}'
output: {"hour": 11, "minute": 33}
